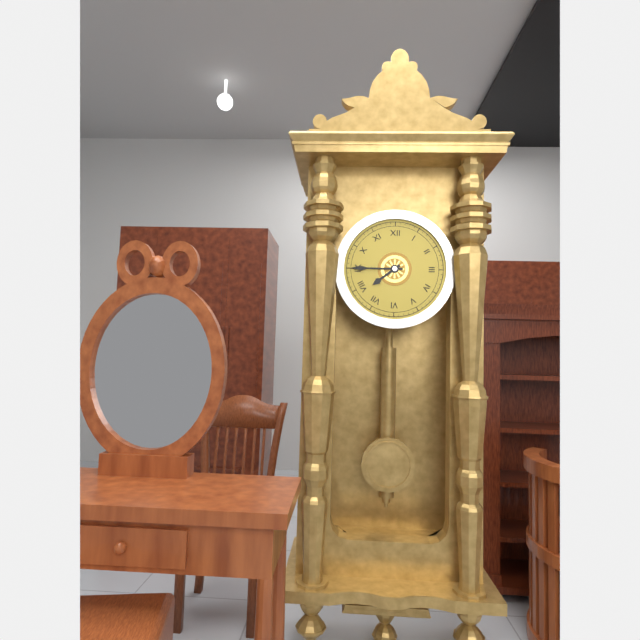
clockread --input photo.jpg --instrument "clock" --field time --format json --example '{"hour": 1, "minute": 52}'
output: {"hour": 7, "minute": 45}
